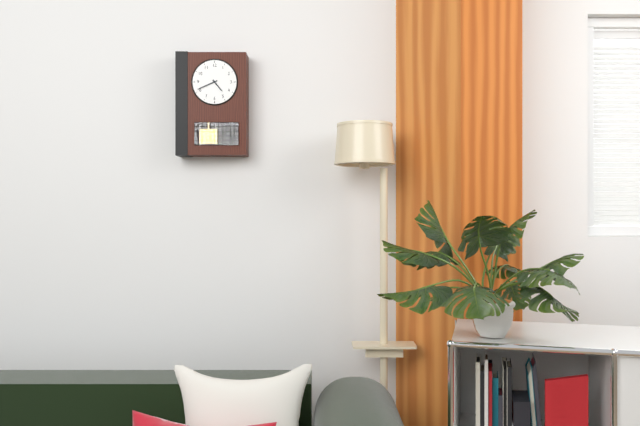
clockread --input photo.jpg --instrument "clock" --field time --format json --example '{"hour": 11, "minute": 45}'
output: {"hour": 4, "minute": 41}
